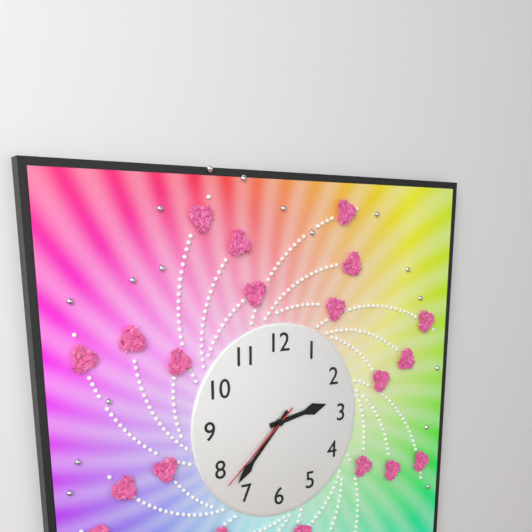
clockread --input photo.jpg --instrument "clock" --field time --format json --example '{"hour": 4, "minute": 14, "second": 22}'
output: {"hour": 2, "minute": 37, "second": 38}
